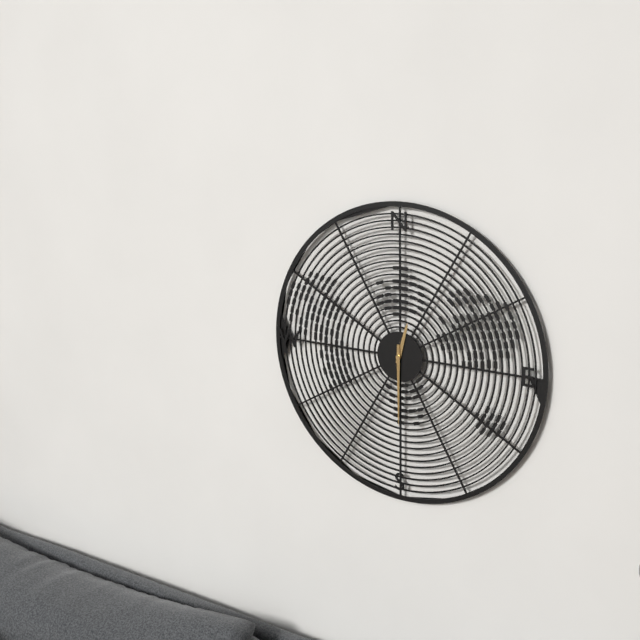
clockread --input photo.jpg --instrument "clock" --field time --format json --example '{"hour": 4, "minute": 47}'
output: {"hour": 12, "minute": 30}
